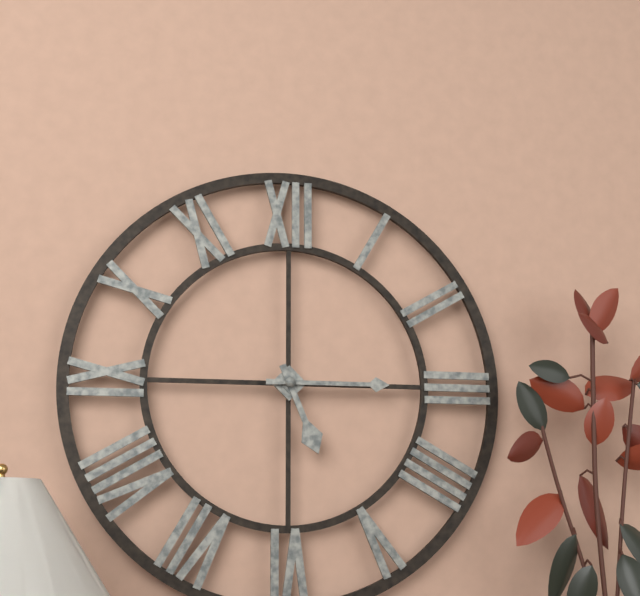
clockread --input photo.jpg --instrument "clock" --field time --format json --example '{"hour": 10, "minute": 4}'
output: {"hour": 5, "minute": 15}
